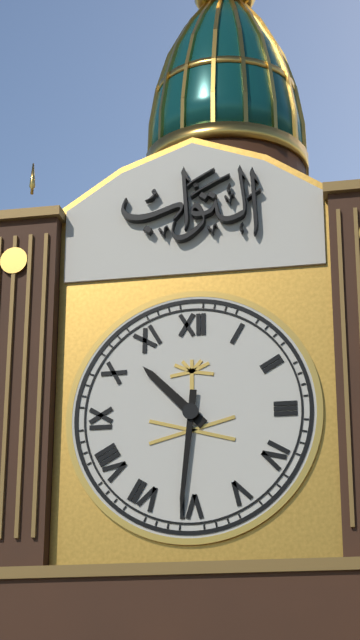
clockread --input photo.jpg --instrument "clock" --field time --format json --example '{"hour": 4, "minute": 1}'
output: {"hour": 10, "minute": 31}
